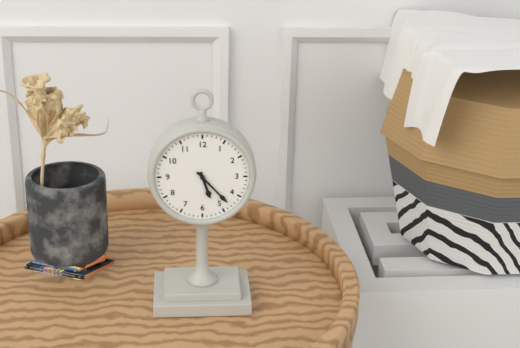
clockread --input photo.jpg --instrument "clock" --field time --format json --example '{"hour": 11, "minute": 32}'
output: {"hour": 5, "minute": 23}
